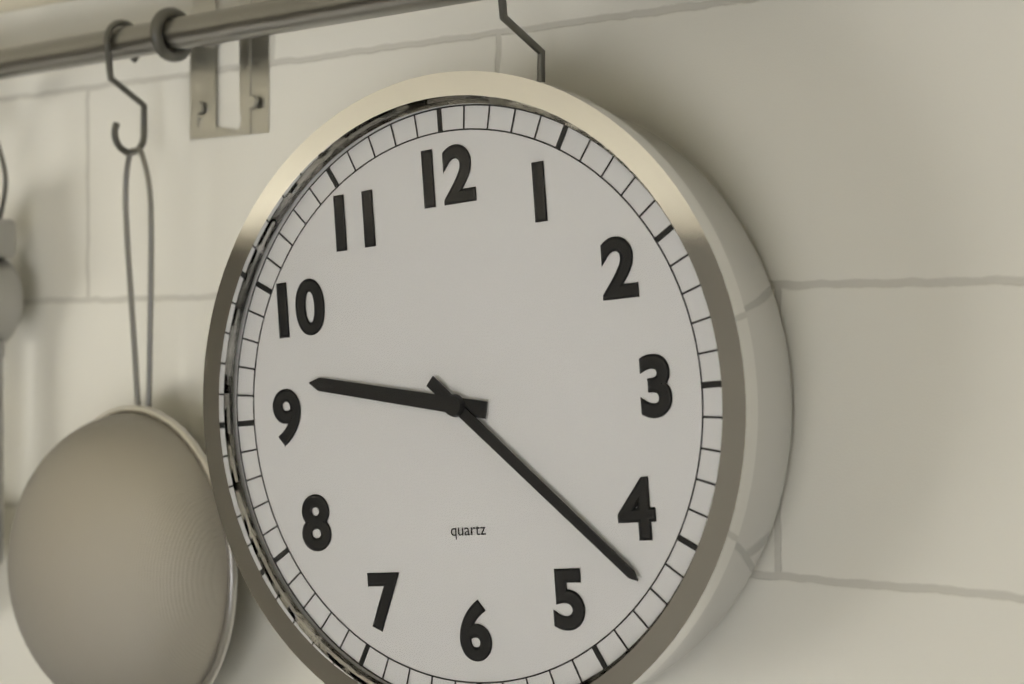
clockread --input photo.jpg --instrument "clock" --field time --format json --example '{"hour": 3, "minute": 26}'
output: {"hour": 9, "minute": 22}
